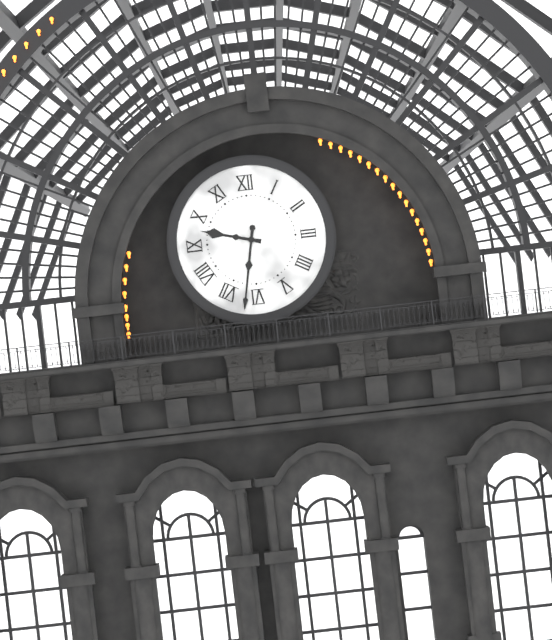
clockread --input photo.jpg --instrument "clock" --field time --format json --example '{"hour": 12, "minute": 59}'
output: {"hour": 9, "minute": 32}
